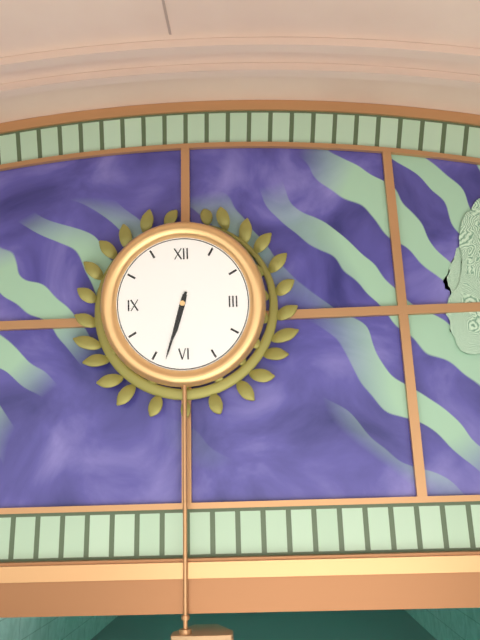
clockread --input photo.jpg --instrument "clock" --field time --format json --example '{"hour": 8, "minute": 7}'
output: {"hour": 6, "minute": 33}
